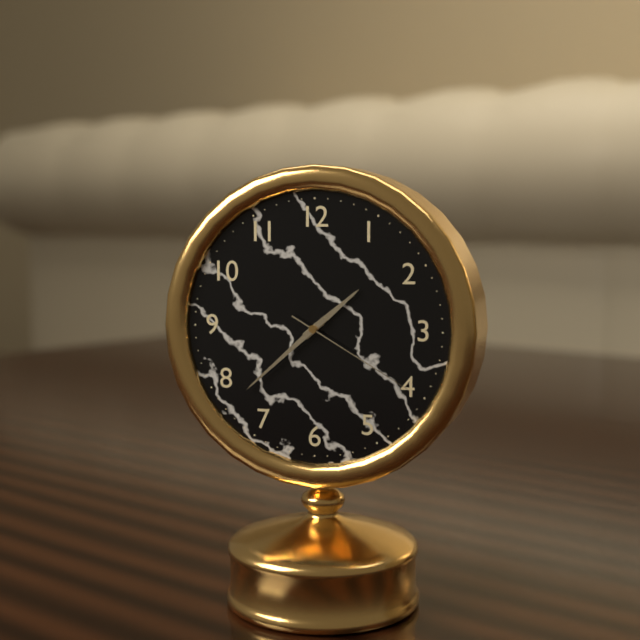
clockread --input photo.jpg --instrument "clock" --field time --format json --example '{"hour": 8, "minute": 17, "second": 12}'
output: {"hour": 1, "minute": 38, "second": 20}
